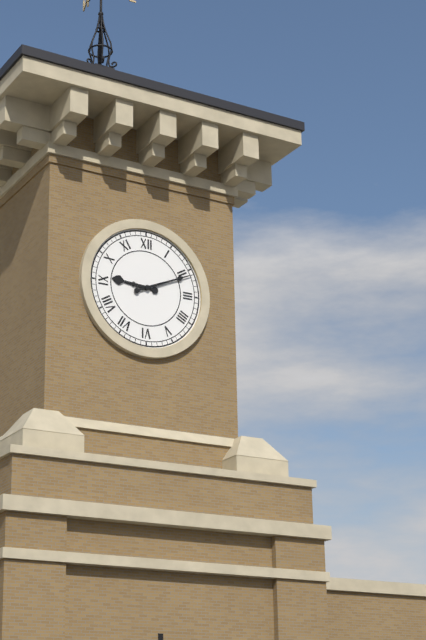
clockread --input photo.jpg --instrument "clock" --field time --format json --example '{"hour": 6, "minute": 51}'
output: {"hour": 9, "minute": 11}
